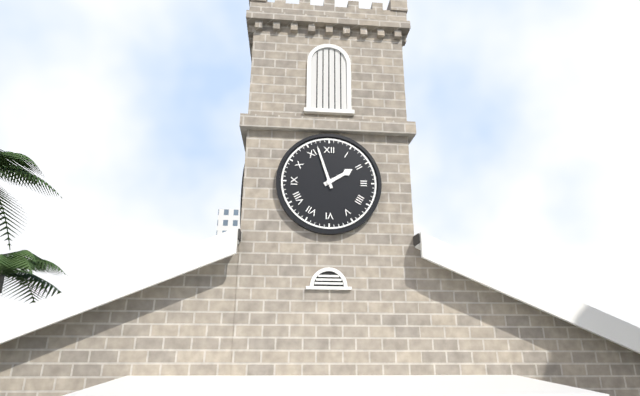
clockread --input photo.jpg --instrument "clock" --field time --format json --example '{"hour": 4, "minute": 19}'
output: {"hour": 1, "minute": 57}
